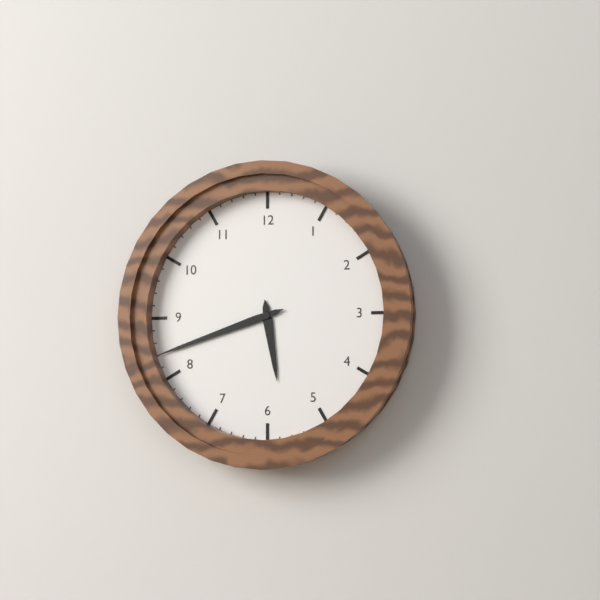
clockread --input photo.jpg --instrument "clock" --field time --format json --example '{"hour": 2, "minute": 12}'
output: {"hour": 5, "minute": 42}
